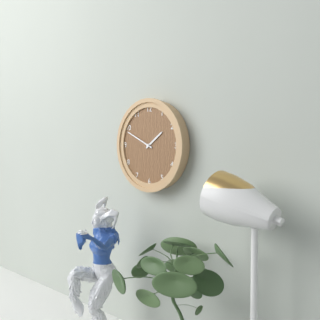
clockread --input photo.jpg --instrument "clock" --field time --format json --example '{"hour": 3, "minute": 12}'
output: {"hour": 1, "minute": 49}
